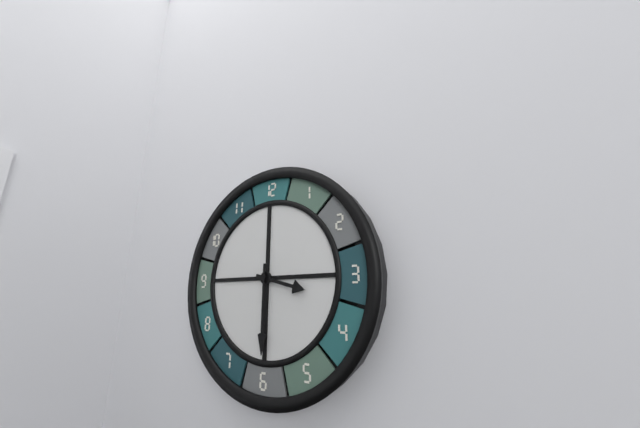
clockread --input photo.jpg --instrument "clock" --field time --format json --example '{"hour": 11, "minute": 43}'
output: {"hour": 3, "minute": 30}
